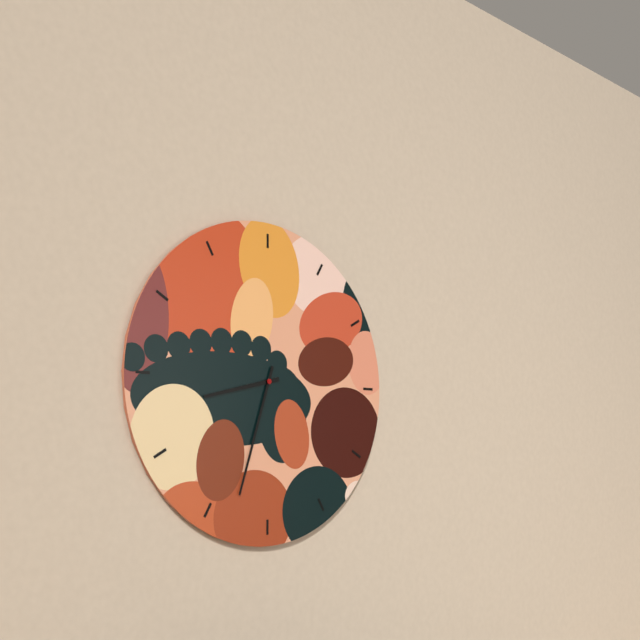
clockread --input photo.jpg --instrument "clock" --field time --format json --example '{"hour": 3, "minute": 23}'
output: {"hour": 8, "minute": 33}
